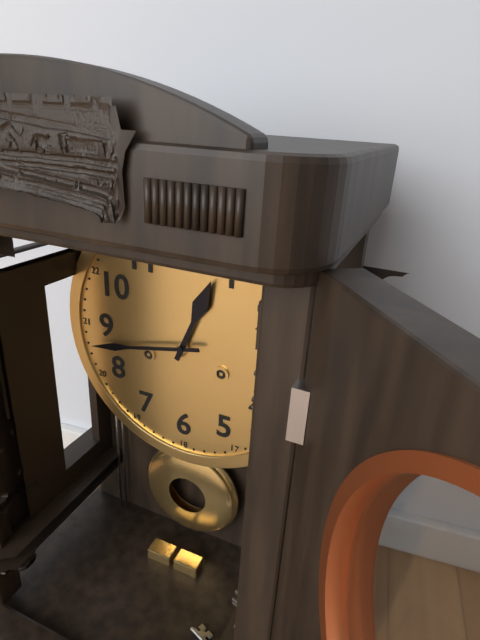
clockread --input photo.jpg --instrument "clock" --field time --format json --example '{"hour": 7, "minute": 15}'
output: {"hour": 12, "minute": 43}
